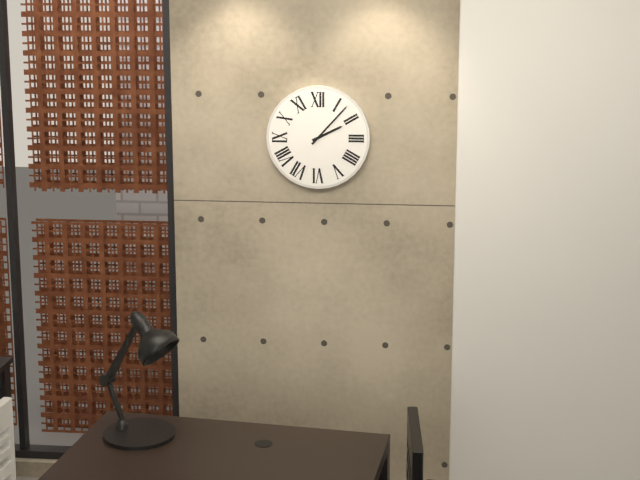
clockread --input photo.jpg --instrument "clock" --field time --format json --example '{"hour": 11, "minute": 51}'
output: {"hour": 2, "minute": 7}
